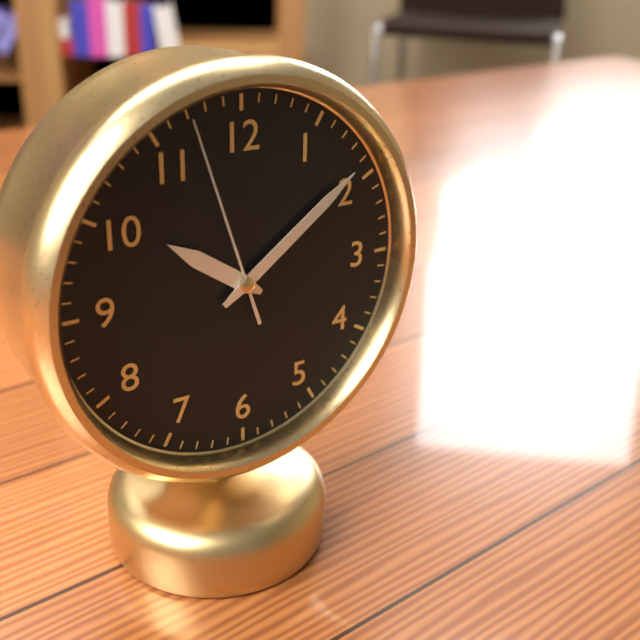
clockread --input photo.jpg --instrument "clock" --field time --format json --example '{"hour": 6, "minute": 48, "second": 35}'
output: {"hour": 10, "minute": 9, "second": 57}
